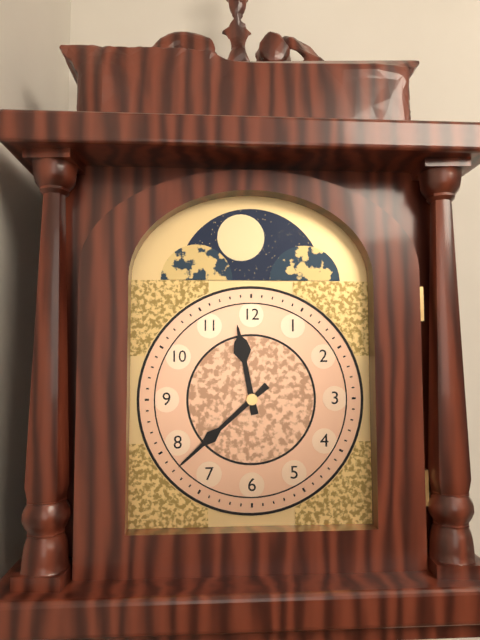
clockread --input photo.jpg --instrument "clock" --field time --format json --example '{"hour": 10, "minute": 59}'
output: {"hour": 11, "minute": 38}
